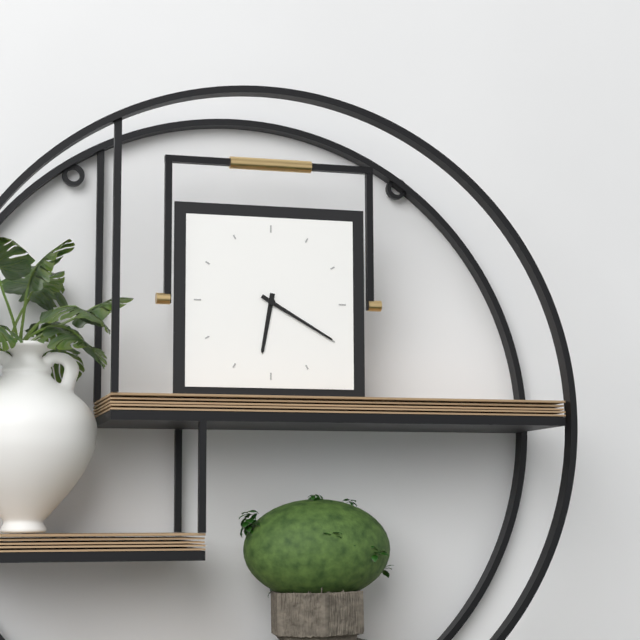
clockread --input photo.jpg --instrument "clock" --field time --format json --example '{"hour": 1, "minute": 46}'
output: {"hour": 6, "minute": 20}
